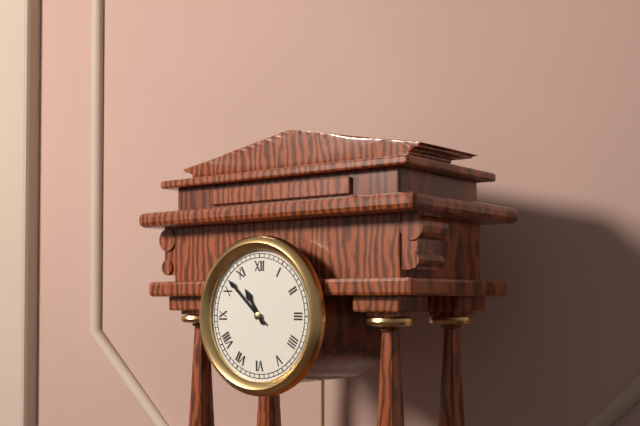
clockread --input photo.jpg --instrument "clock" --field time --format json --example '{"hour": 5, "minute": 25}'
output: {"hour": 10, "minute": 52}
